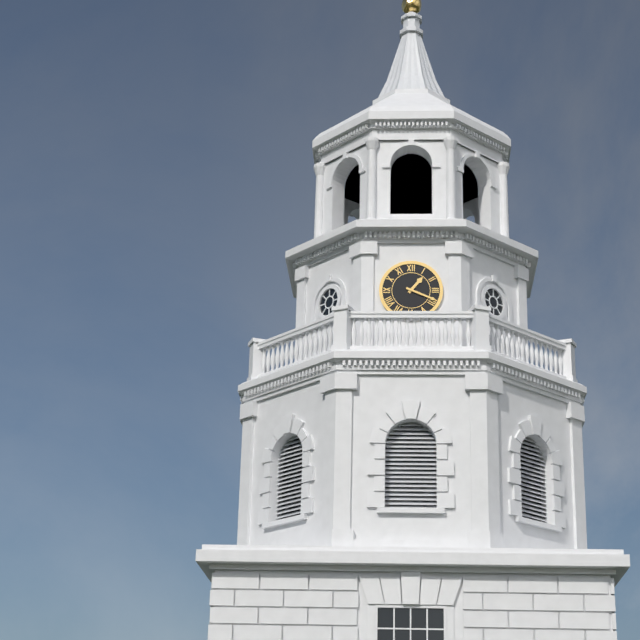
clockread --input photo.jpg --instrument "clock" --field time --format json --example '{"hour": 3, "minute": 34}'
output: {"hour": 1, "minute": 19}
